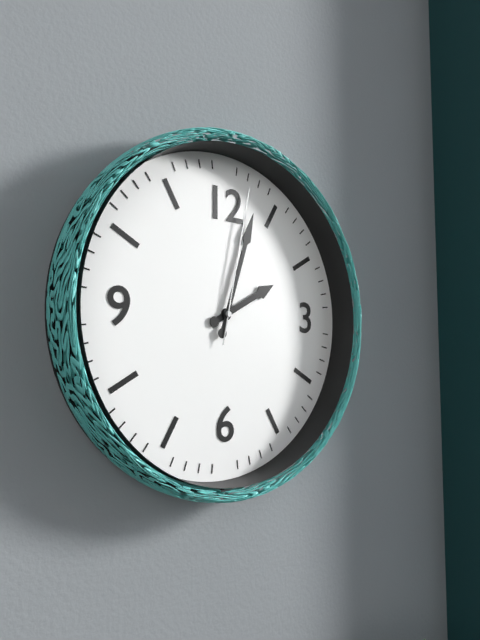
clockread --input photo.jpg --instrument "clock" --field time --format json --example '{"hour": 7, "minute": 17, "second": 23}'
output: {"hour": 2, "minute": 3, "second": 2}
